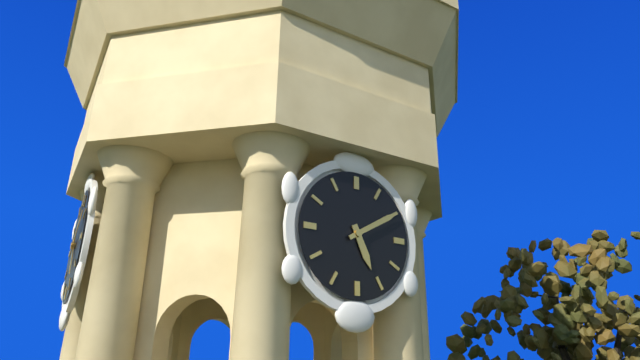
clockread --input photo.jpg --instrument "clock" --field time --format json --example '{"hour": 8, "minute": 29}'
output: {"hour": 5, "minute": 10}
